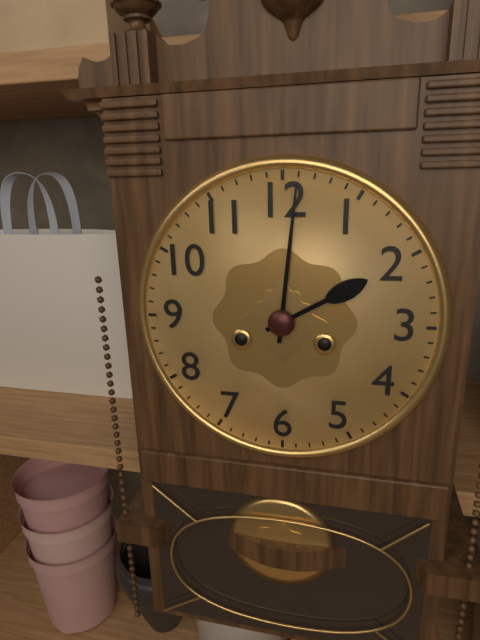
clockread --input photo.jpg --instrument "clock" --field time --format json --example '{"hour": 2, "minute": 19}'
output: {"hour": 2, "minute": 1}
